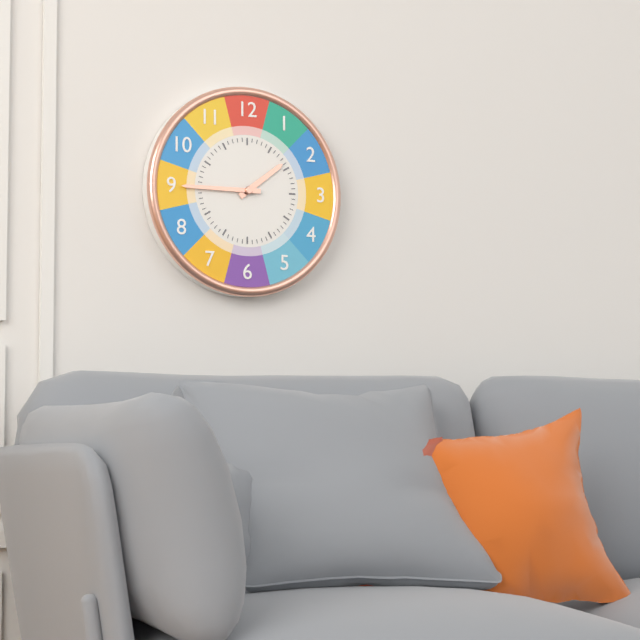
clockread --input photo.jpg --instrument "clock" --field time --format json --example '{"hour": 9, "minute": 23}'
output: {"hour": 1, "minute": 45}
